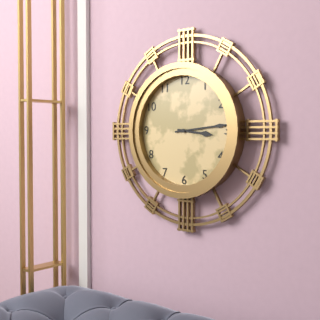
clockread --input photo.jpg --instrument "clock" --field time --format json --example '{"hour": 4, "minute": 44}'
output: {"hour": 3, "minute": 14}
